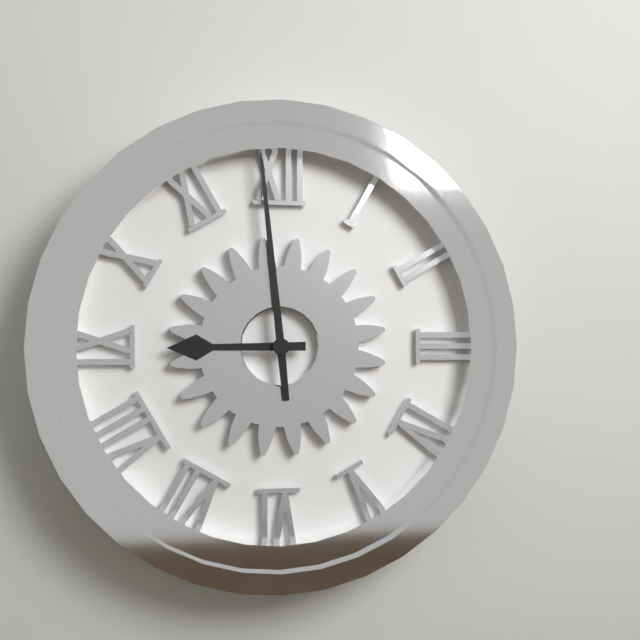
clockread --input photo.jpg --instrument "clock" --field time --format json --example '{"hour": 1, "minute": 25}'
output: {"hour": 8, "minute": 59}
